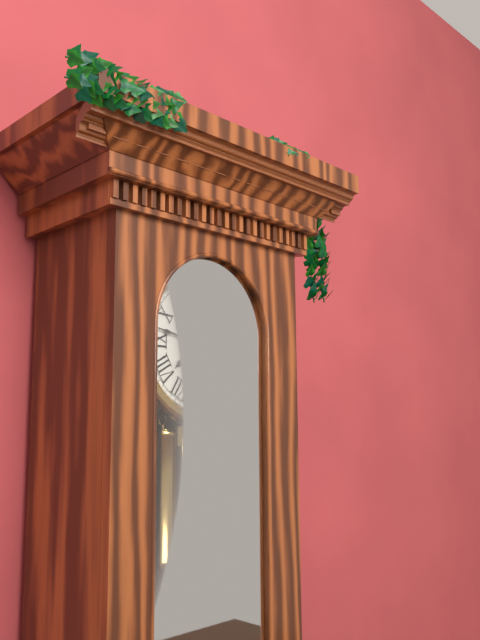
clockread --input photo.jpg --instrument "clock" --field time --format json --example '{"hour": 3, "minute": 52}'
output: {"hour": 7, "minute": 47}
